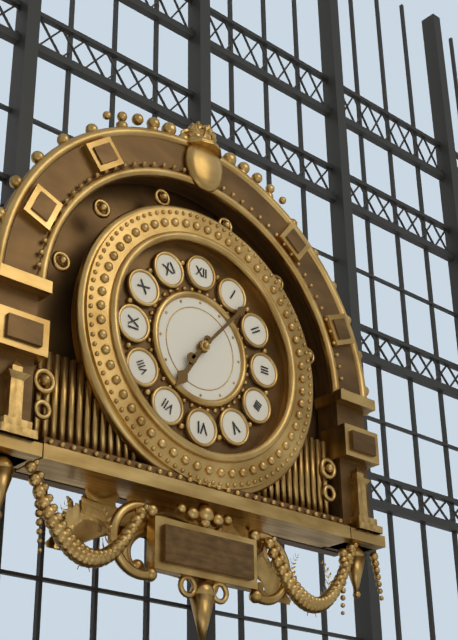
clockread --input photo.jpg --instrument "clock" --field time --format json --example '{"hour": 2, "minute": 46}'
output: {"hour": 7, "minute": 7}
